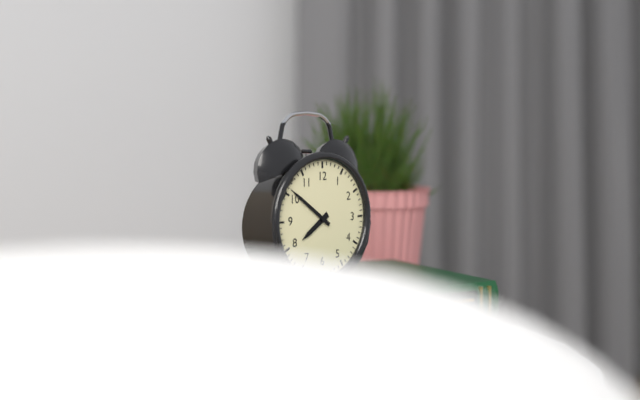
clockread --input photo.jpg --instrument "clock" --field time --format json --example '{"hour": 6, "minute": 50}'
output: {"hour": 7, "minute": 51}
